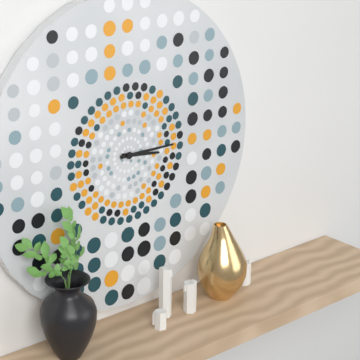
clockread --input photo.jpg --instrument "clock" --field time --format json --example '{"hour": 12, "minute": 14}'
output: {"hour": 3, "minute": 15}
